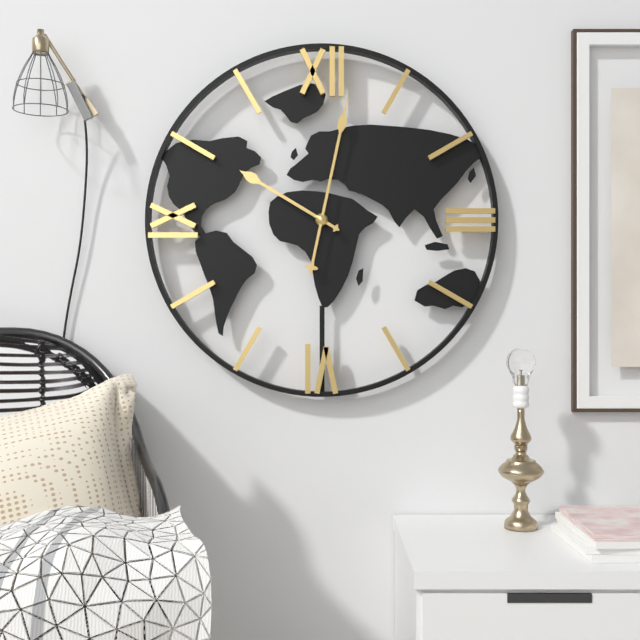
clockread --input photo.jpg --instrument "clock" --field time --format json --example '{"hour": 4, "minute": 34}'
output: {"hour": 10, "minute": 2}
